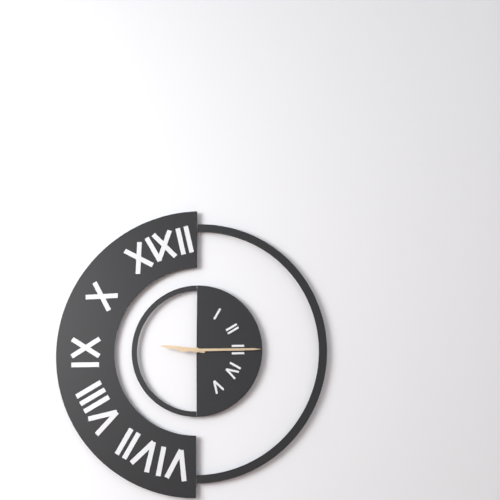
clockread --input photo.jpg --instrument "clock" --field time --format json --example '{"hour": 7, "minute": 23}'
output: {"hour": 9, "minute": 15}
